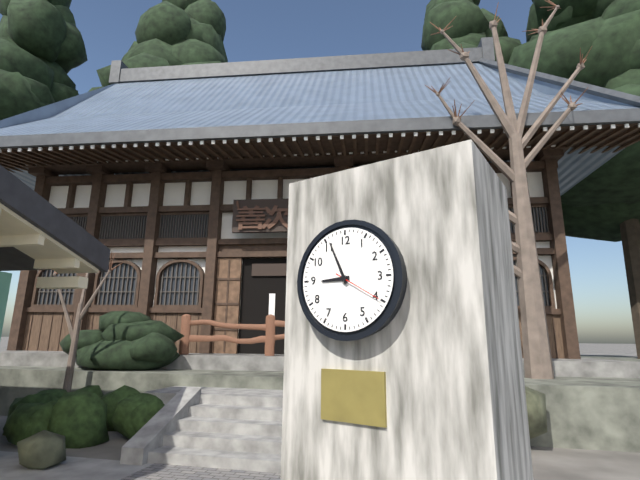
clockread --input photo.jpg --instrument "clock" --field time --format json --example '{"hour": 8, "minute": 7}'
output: {"hour": 8, "minute": 56}
